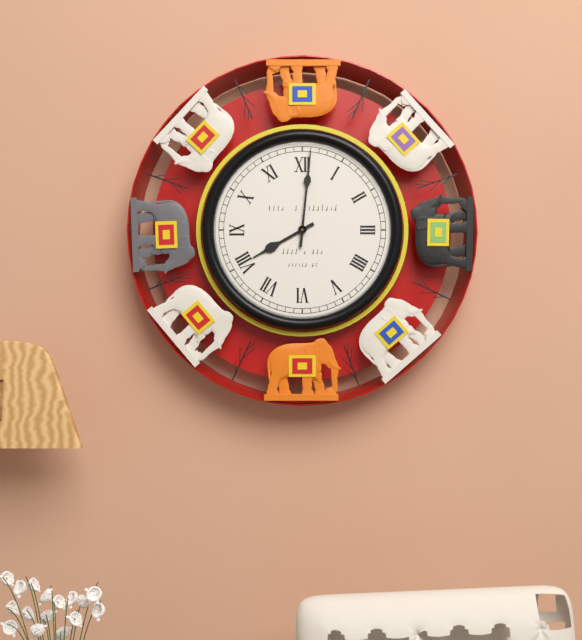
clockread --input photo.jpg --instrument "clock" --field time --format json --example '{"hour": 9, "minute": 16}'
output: {"hour": 8, "minute": 1}
